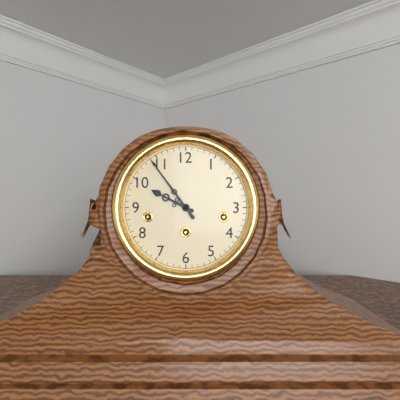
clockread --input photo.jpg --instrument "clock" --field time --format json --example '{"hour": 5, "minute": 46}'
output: {"hour": 9, "minute": 54}
